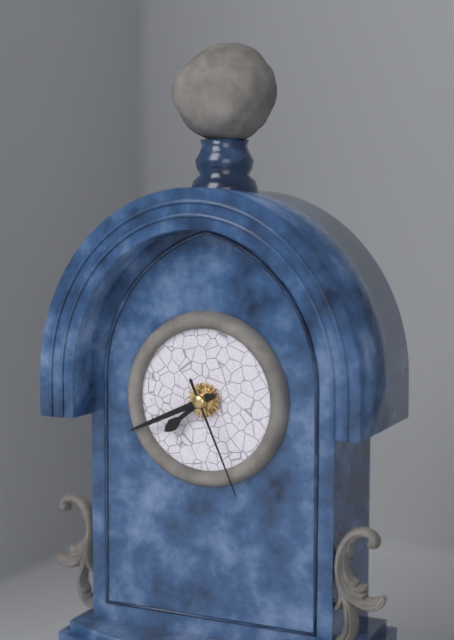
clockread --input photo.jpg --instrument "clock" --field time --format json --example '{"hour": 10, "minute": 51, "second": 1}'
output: {"hour": 7, "minute": 41, "second": 26}
